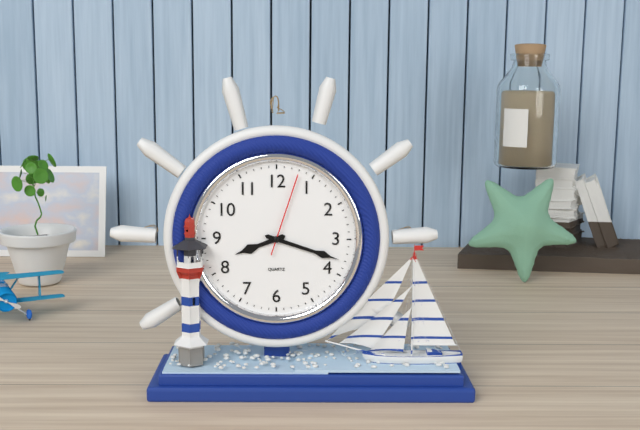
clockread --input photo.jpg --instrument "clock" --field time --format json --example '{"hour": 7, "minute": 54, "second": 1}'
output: {"hour": 8, "minute": 18, "second": 3}
